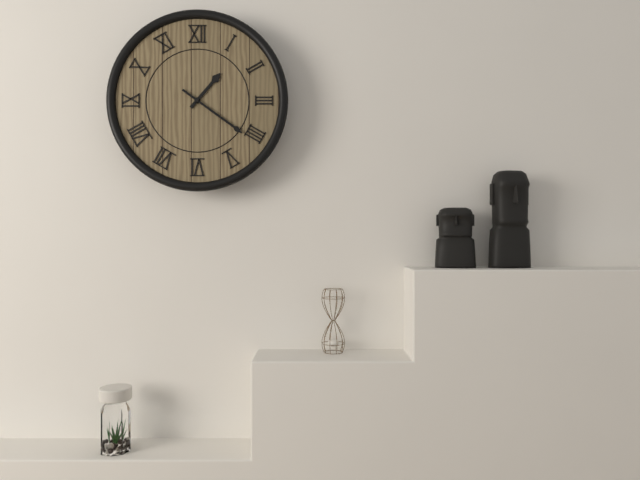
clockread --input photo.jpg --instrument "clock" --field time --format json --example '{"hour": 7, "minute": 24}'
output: {"hour": 1, "minute": 21}
